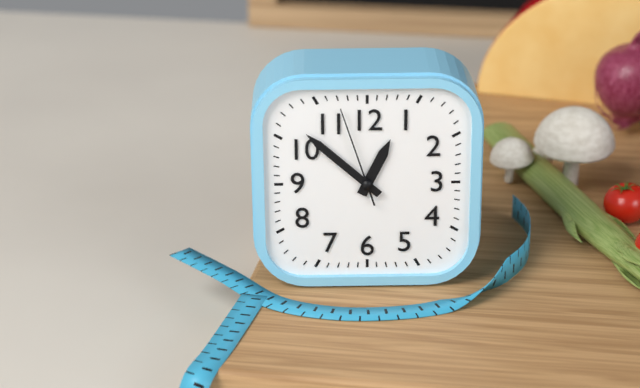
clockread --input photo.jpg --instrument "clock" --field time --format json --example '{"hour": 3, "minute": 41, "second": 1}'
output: {"hour": 12, "minute": 52, "second": 57}
